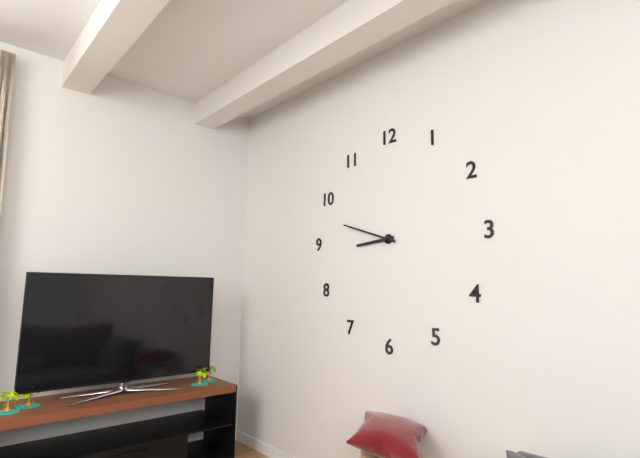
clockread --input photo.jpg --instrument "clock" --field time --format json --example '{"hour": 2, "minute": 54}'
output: {"hour": 8, "minute": 48}
